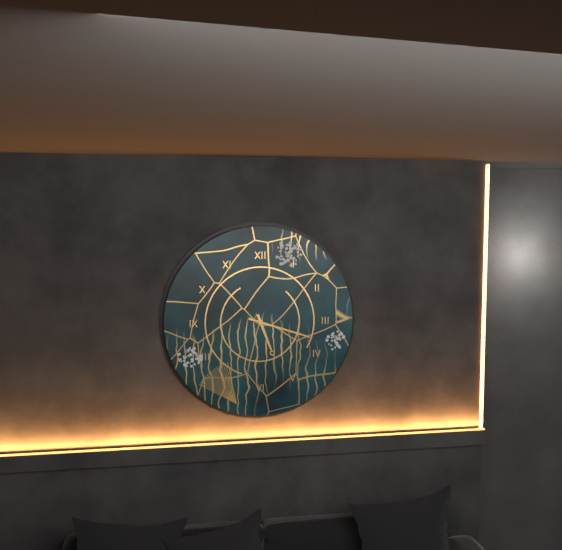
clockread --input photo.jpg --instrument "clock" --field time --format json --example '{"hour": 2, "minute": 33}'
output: {"hour": 5, "minute": 18}
